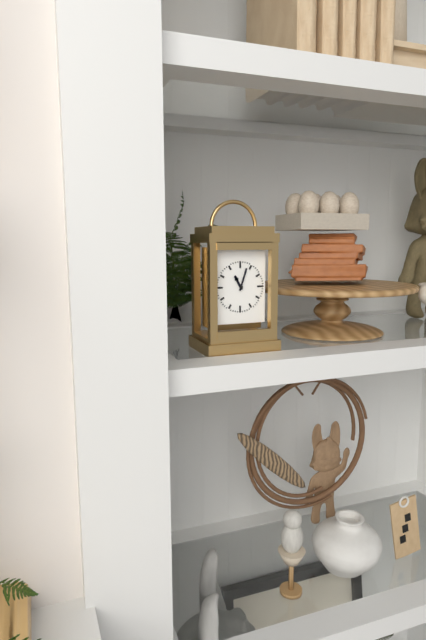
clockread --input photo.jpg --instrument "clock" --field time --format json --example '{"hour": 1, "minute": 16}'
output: {"hour": 11, "minute": 3}
